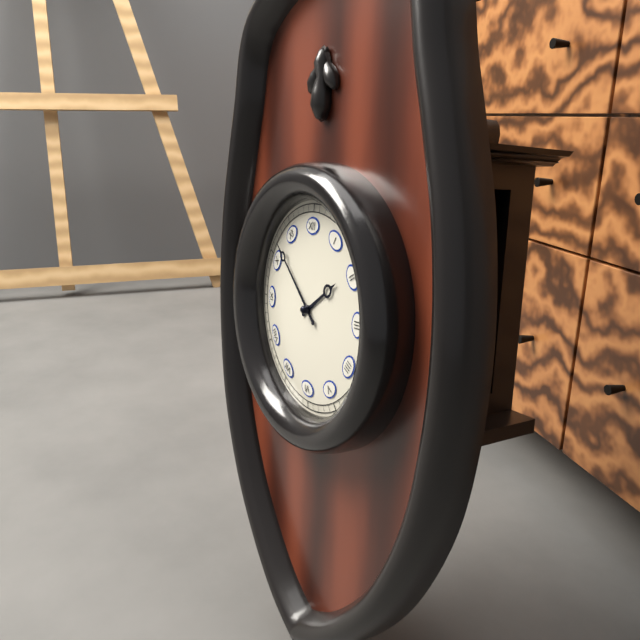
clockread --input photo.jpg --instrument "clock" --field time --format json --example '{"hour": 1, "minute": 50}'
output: {"hour": 1, "minute": 52}
